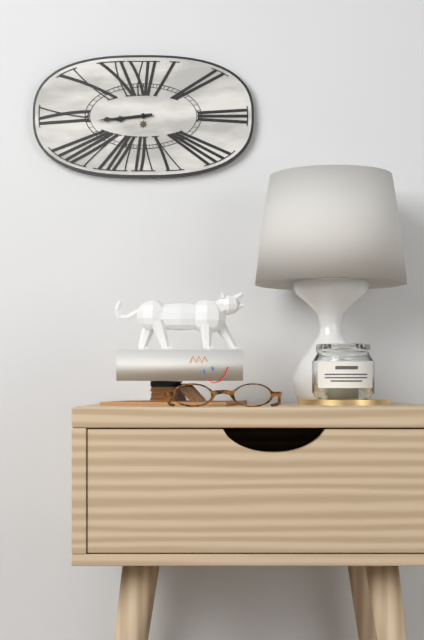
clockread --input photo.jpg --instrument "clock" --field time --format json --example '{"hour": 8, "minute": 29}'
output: {"hour": 8, "minute": 44}
